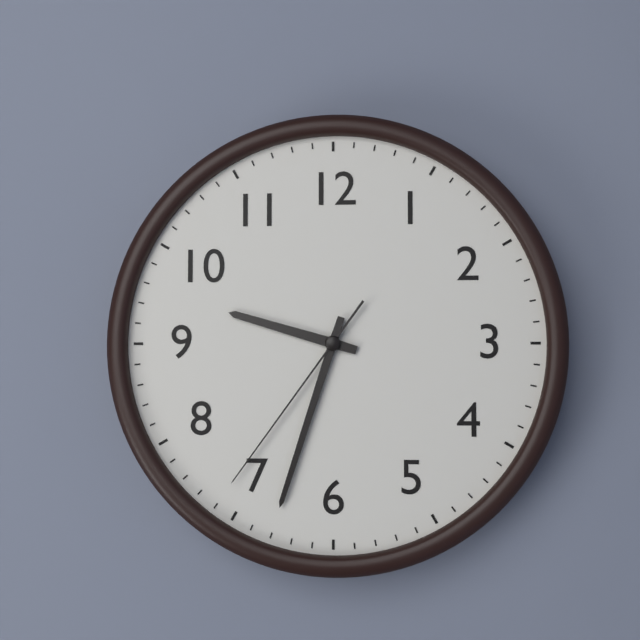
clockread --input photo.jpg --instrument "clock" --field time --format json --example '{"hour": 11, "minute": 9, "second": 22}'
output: {"hour": 9, "minute": 33, "second": 36}
